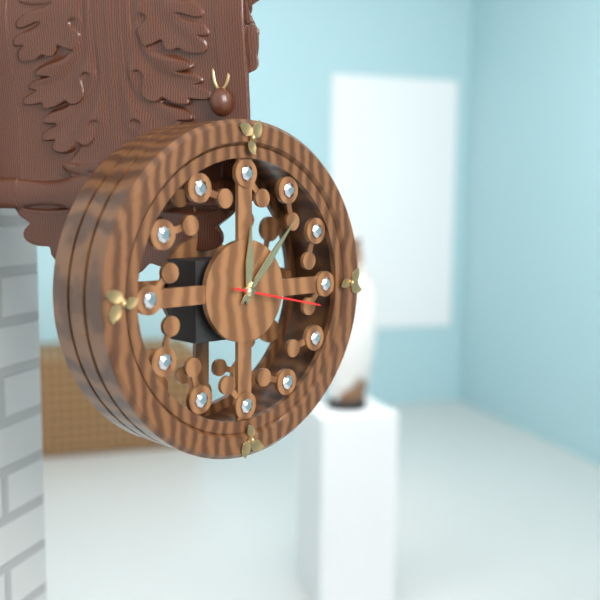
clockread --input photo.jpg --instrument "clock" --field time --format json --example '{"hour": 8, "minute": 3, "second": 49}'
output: {"hour": 12, "minute": 7, "second": 17}
